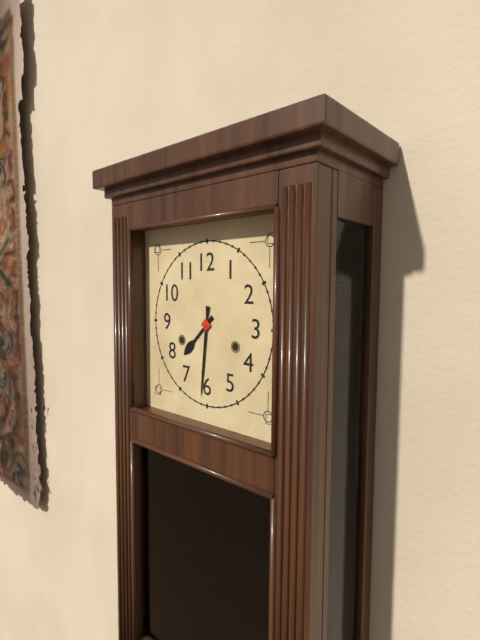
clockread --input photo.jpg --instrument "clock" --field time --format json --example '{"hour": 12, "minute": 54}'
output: {"hour": 7, "minute": 31}
